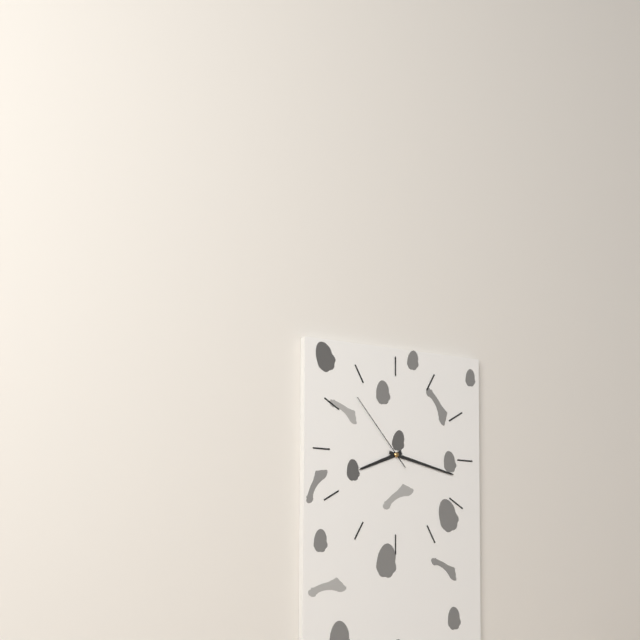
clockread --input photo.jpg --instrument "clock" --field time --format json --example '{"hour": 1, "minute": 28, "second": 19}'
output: {"hour": 8, "minute": 17, "second": 53}
